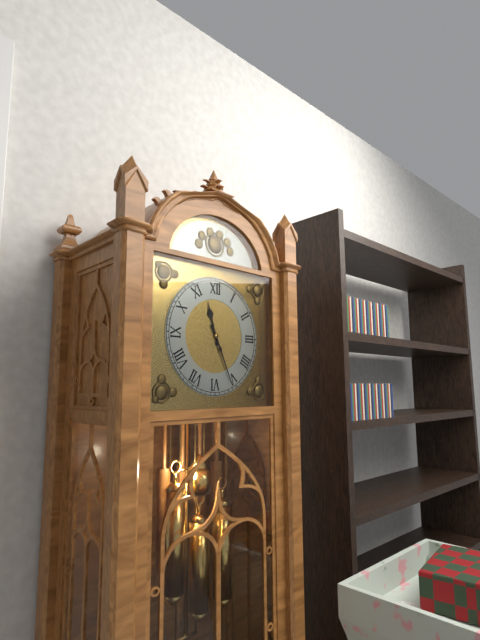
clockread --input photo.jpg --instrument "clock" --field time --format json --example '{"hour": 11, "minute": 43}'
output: {"hour": 11, "minute": 26}
